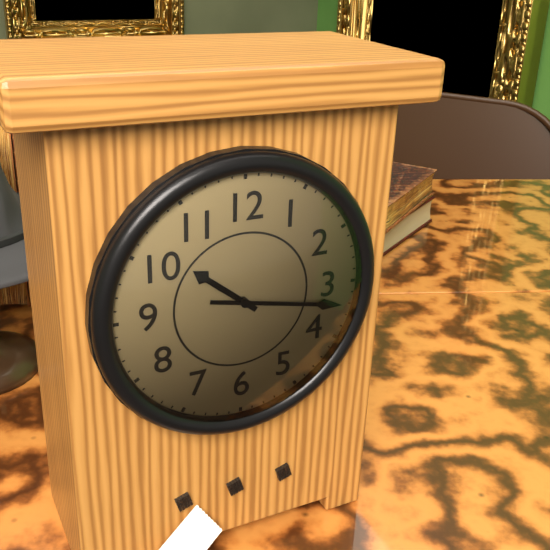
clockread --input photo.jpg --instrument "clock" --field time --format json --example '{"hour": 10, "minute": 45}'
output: {"hour": 10, "minute": 17}
